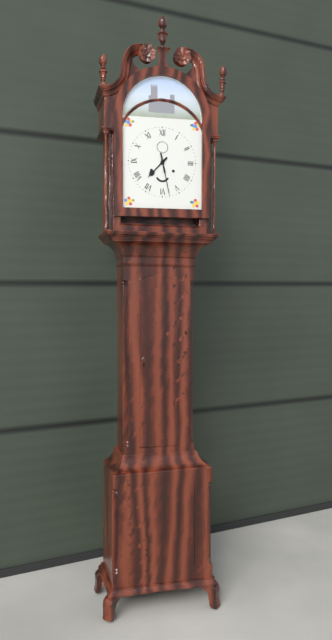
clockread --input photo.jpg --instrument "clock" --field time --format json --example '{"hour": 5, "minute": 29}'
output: {"hour": 7, "minute": 28}
